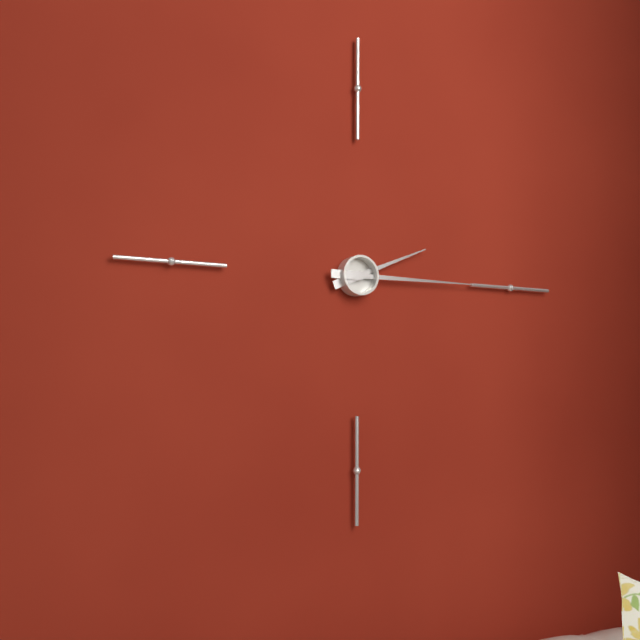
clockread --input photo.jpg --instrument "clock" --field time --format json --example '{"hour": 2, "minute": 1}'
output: {"hour": 2, "minute": 15}
